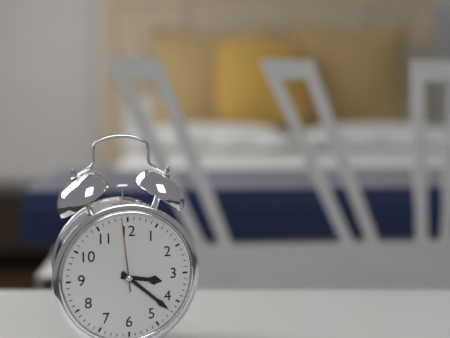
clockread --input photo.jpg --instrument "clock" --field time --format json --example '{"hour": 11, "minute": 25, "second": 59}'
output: {"hour": 3, "minute": 22, "second": 59}
